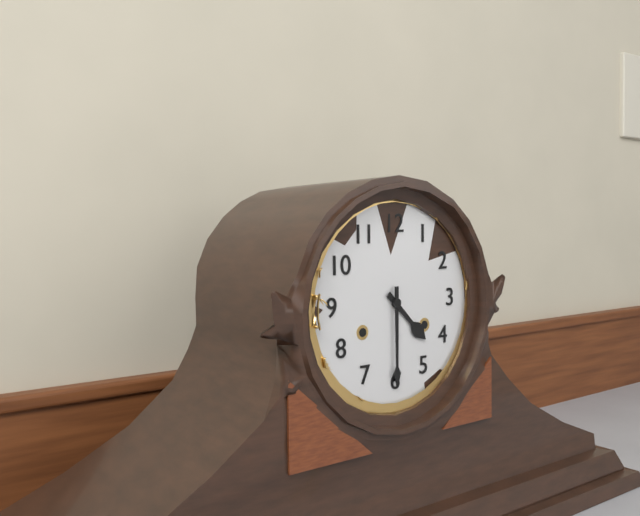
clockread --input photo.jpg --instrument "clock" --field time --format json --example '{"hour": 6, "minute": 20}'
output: {"hour": 4, "minute": 30}
